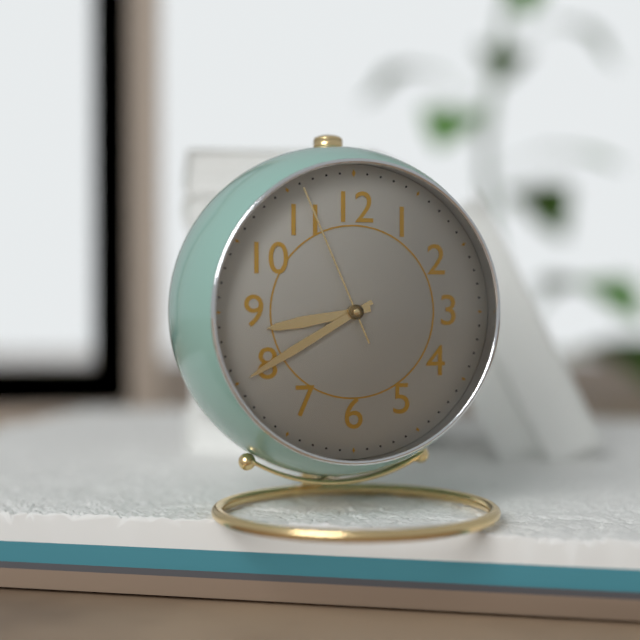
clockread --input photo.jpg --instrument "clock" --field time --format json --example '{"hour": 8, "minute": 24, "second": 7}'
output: {"hour": 8, "minute": 40, "second": 56}
